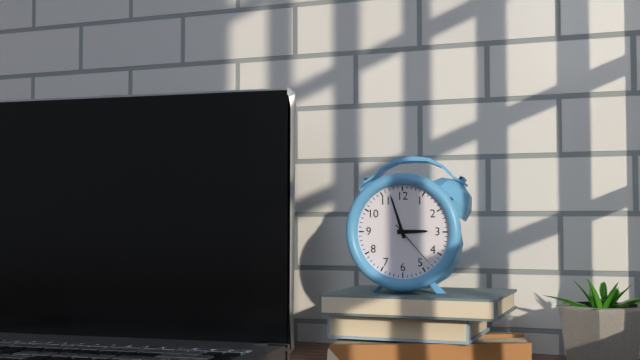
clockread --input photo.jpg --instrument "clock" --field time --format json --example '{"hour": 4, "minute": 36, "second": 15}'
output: {"hour": 2, "minute": 57, "second": 23}
